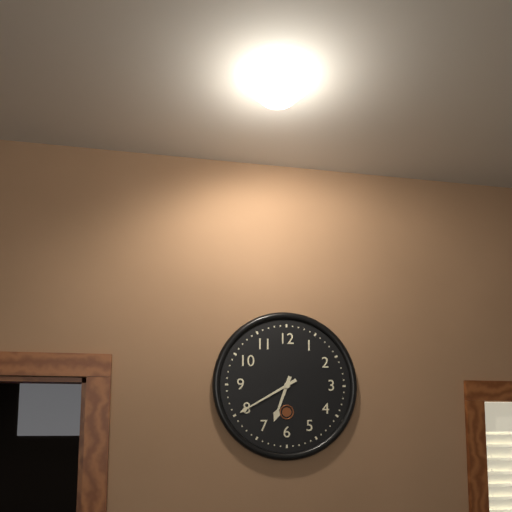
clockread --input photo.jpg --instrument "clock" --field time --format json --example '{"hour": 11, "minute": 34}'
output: {"hour": 6, "minute": 40}
